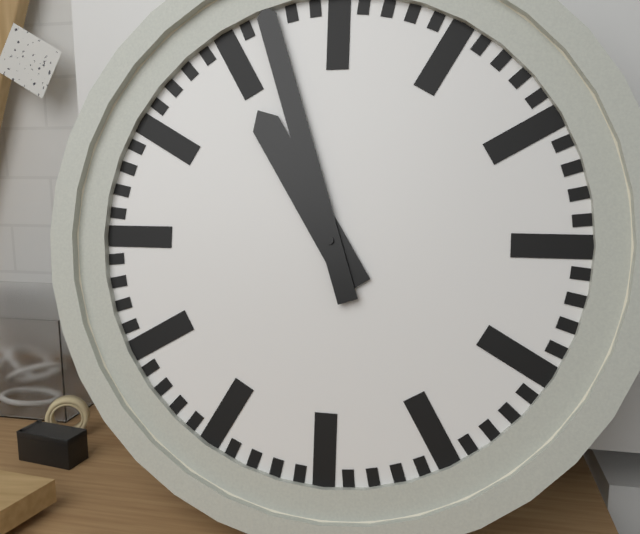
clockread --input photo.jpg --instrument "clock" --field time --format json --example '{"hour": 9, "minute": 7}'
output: {"hour": 10, "minute": 57}
